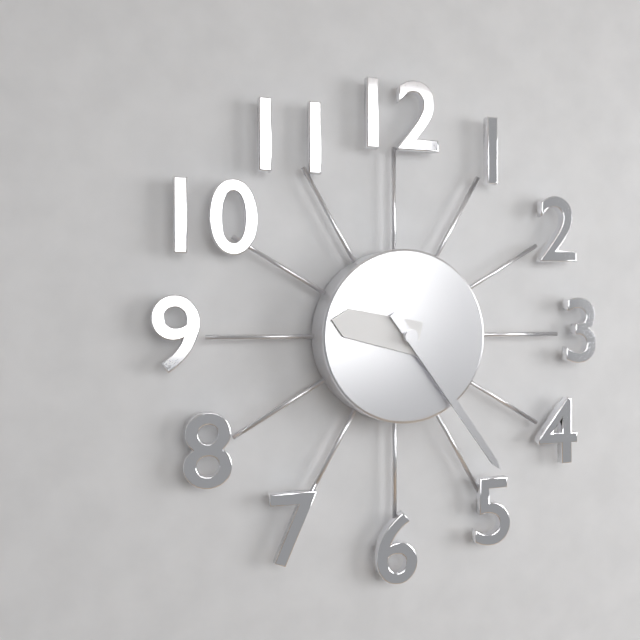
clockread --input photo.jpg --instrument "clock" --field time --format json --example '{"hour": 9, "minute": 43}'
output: {"hour": 9, "minute": 24}
